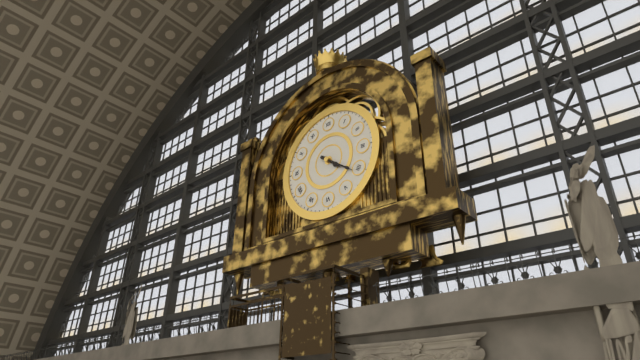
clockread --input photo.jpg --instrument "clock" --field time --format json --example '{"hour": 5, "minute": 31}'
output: {"hour": 4, "minute": 21}
